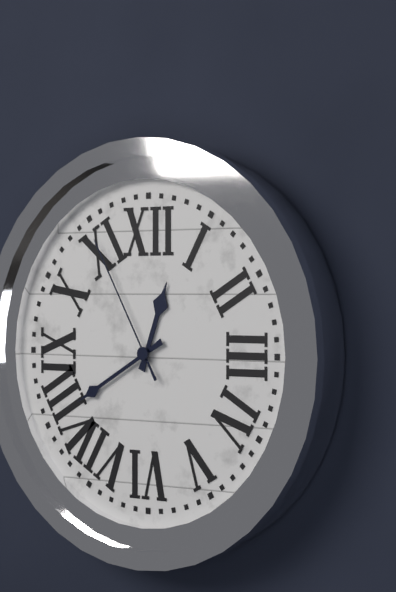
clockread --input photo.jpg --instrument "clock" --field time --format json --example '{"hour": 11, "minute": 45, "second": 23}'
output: {"hour": 12, "minute": 40, "second": 55}
